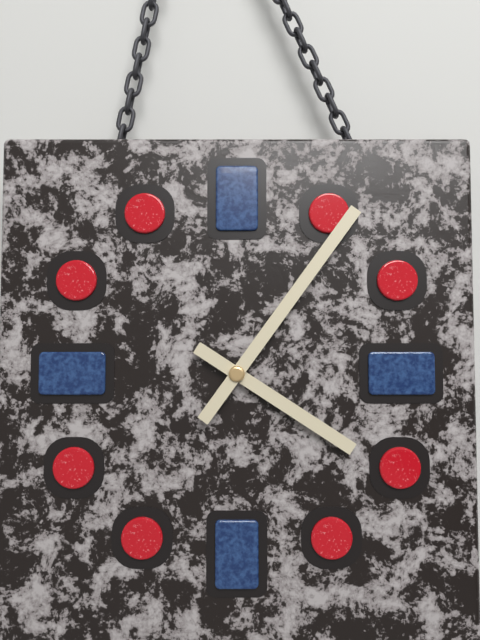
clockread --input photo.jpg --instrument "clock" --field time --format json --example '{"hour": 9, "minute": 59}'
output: {"hour": 4, "minute": 6}
